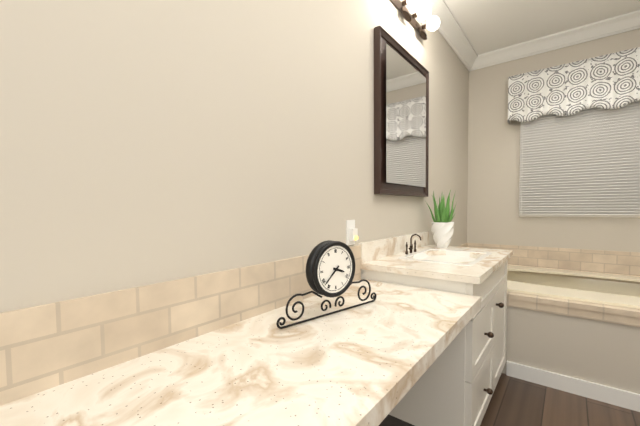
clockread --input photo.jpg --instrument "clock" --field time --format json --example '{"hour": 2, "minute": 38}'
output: {"hour": 3, "minute": 38}
